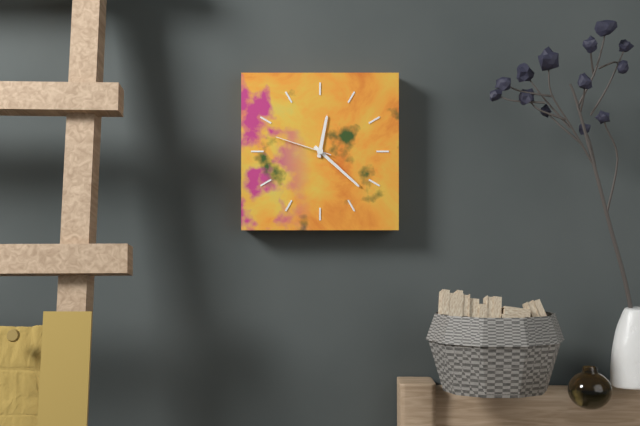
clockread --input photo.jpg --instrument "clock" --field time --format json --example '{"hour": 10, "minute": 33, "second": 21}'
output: {"hour": 12, "minute": 22, "second": 48}
